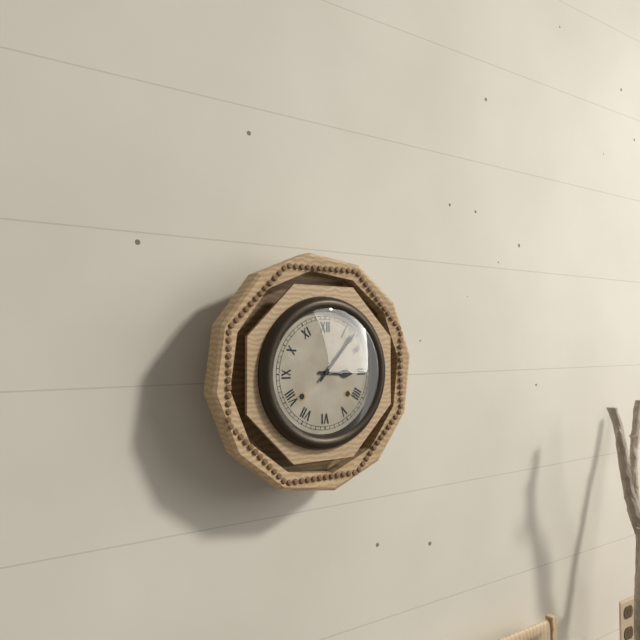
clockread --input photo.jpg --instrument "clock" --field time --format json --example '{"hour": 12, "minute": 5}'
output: {"hour": 3, "minute": 7}
